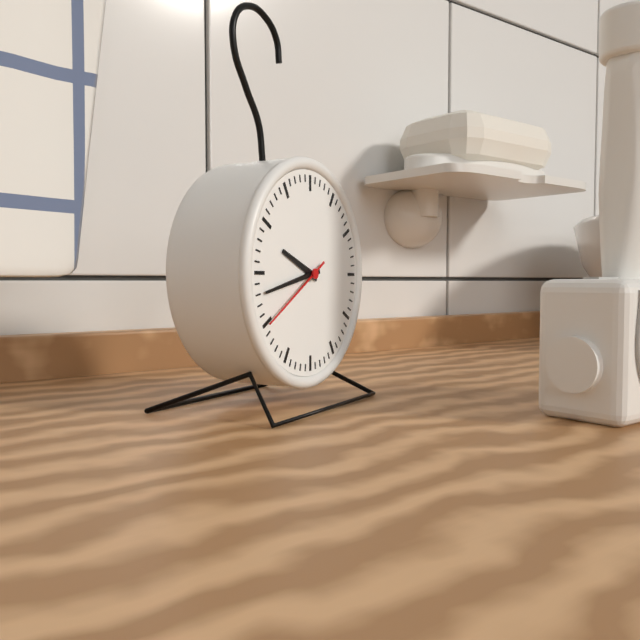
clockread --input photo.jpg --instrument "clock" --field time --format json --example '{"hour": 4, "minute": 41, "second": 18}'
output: {"hour": 9, "minute": 43, "second": 40}
